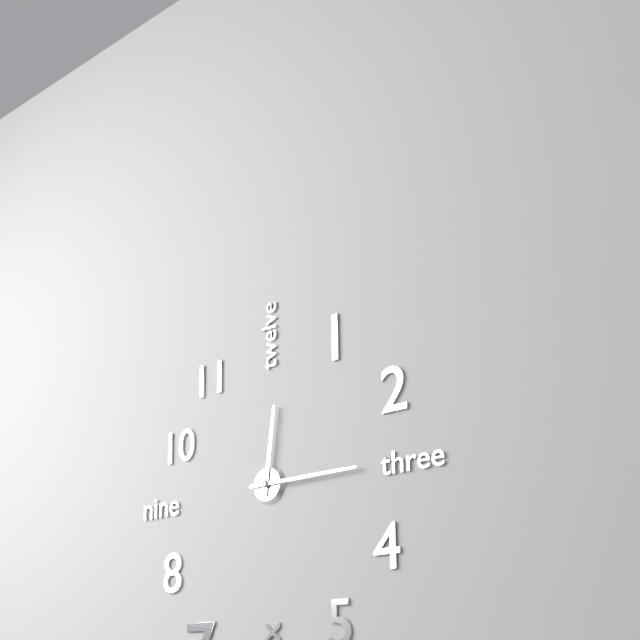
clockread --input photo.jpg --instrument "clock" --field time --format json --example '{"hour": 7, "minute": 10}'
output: {"hour": 12, "minute": 15}
